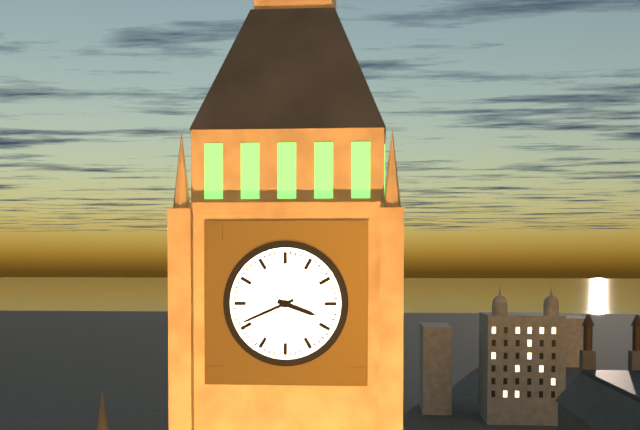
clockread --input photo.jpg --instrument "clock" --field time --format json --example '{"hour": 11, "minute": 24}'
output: {"hour": 3, "minute": 41}
